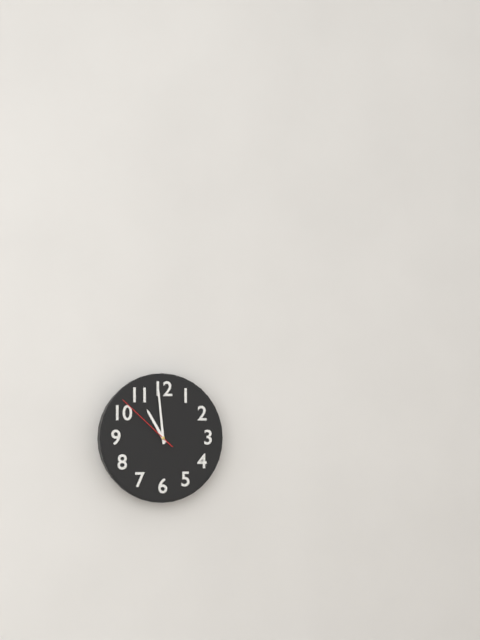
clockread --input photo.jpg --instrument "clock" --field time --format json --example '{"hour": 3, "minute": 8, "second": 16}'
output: {"hour": 10, "minute": 59, "second": 52}
